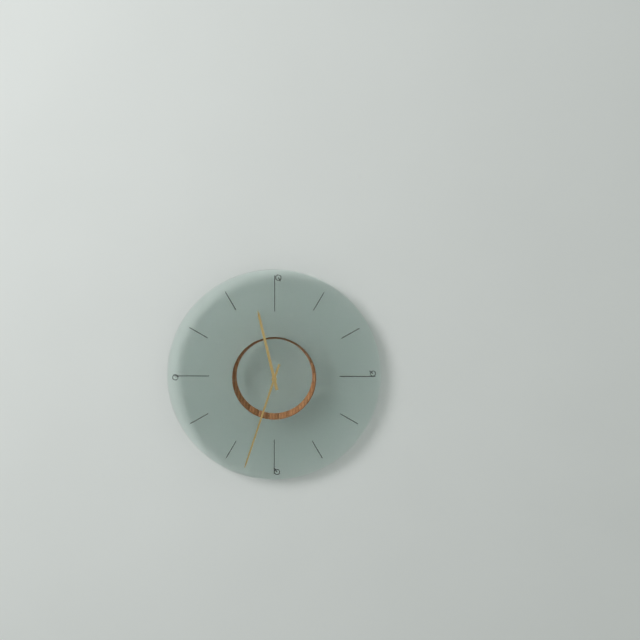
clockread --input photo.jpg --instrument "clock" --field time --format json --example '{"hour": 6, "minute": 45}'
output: {"hour": 11, "minute": 33}
